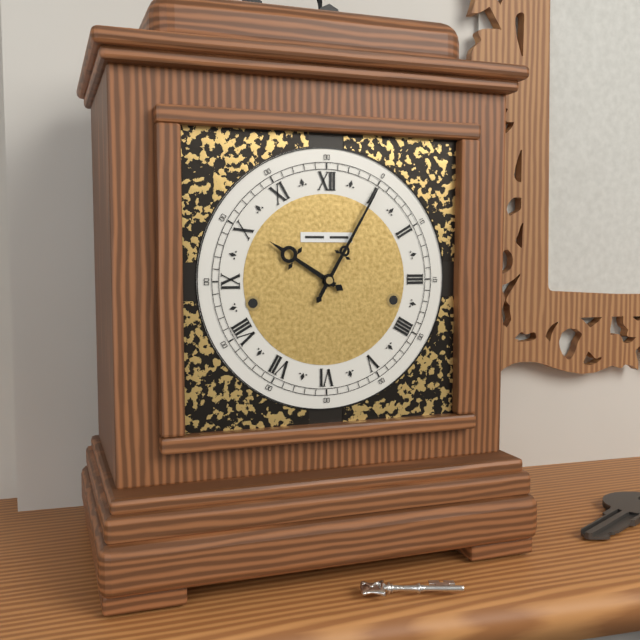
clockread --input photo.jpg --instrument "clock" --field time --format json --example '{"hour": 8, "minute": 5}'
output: {"hour": 10, "minute": 5}
